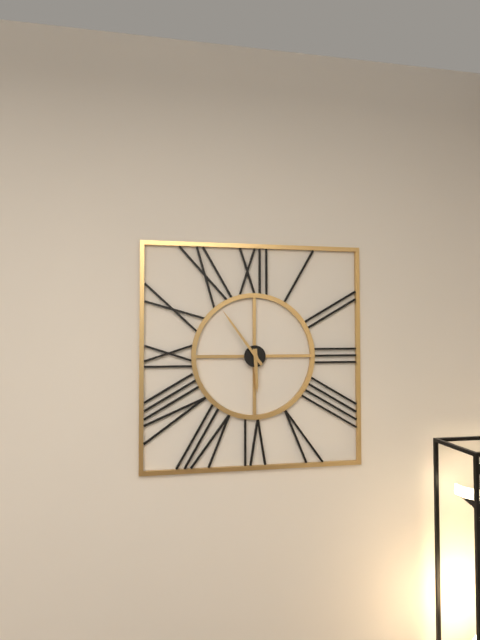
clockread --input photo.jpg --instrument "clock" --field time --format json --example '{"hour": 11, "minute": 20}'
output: {"hour": 5, "minute": 54}
